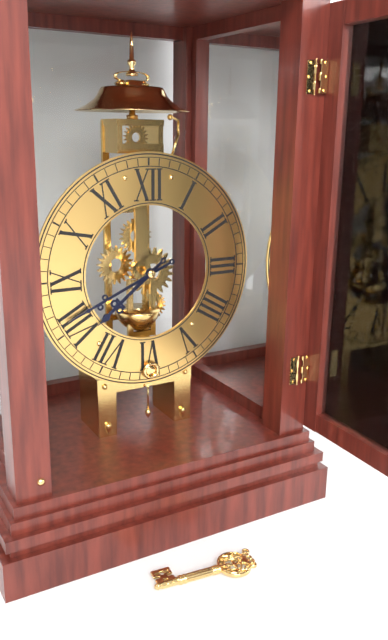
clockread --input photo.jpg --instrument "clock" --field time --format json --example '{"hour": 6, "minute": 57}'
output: {"hour": 7, "minute": 41}
